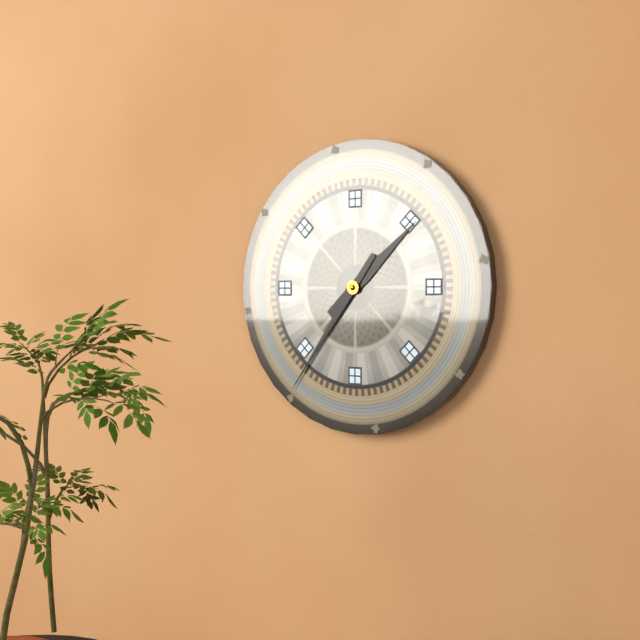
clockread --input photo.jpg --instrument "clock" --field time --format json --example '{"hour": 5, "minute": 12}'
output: {"hour": 1, "minute": 36}
